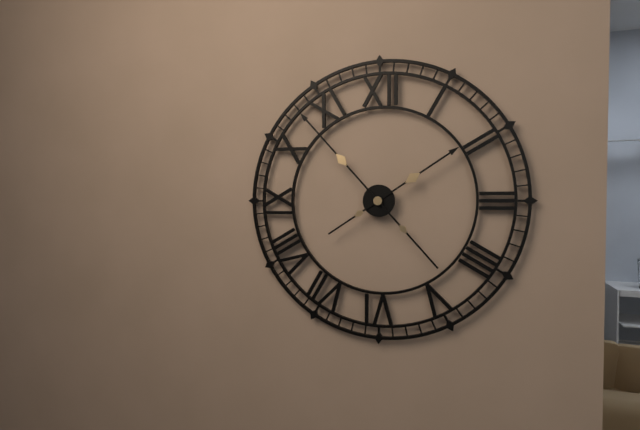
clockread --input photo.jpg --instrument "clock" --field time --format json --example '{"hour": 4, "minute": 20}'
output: {"hour": 1, "minute": 53}
